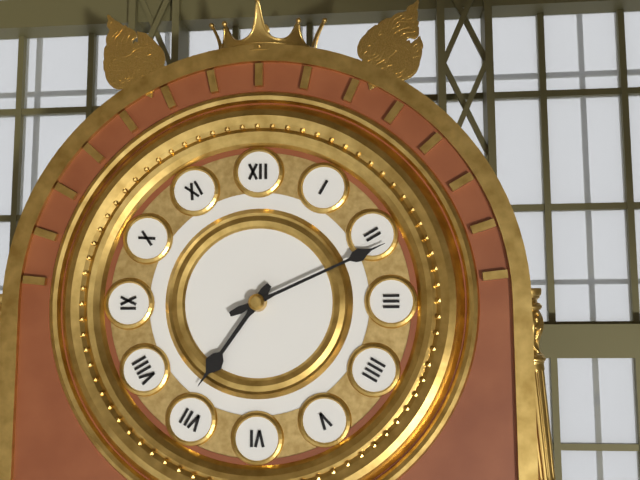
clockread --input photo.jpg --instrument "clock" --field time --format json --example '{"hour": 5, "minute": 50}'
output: {"hour": 7, "minute": 11}
